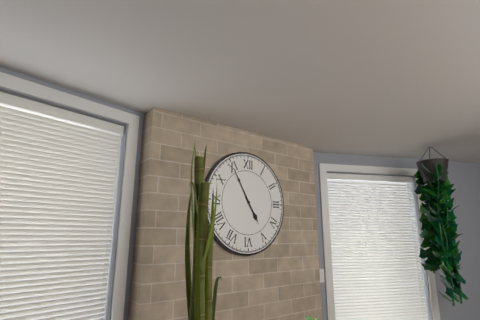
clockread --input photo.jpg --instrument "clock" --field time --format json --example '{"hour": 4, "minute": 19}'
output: {"hour": 4, "minute": 55}
